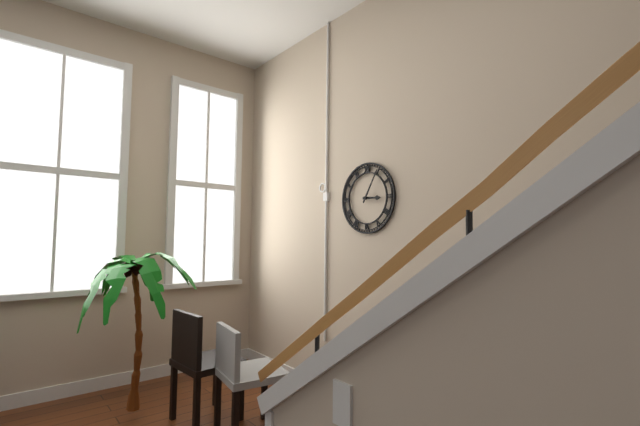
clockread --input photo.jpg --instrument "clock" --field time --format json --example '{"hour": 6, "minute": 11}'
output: {"hour": 3, "minute": 5}
